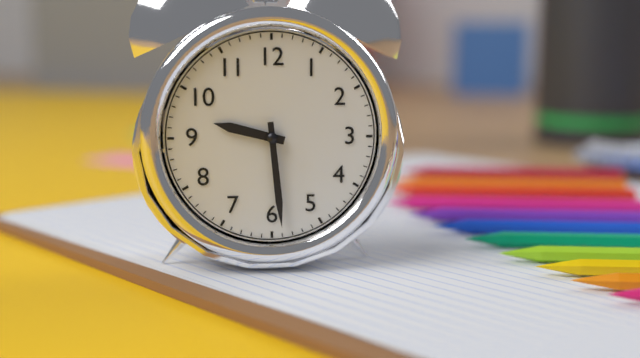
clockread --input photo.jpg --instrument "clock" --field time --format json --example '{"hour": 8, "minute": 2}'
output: {"hour": 9, "minute": 29}
